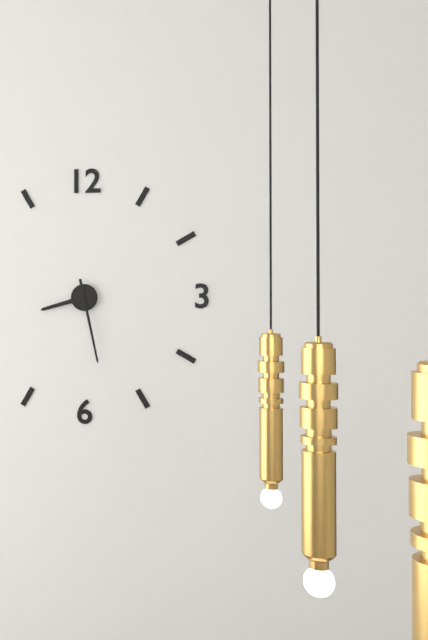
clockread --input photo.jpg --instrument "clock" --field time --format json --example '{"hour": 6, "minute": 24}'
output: {"hour": 8, "minute": 28}
